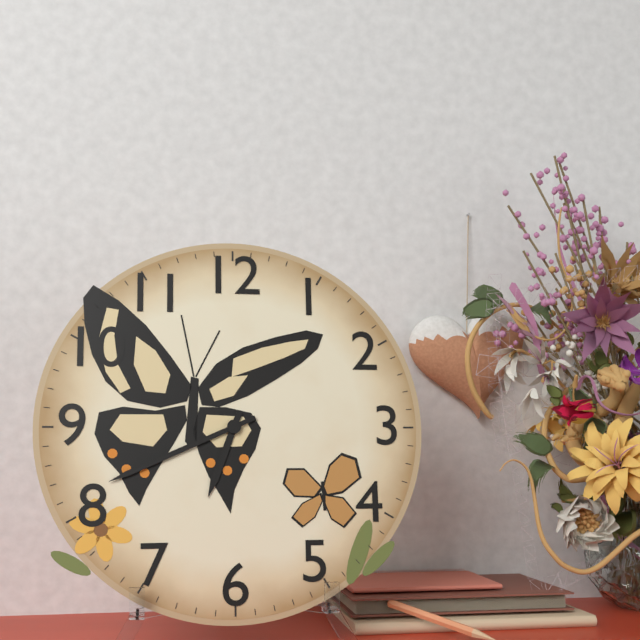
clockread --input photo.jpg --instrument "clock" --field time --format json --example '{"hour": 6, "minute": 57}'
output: {"hour": 6, "minute": 41}
